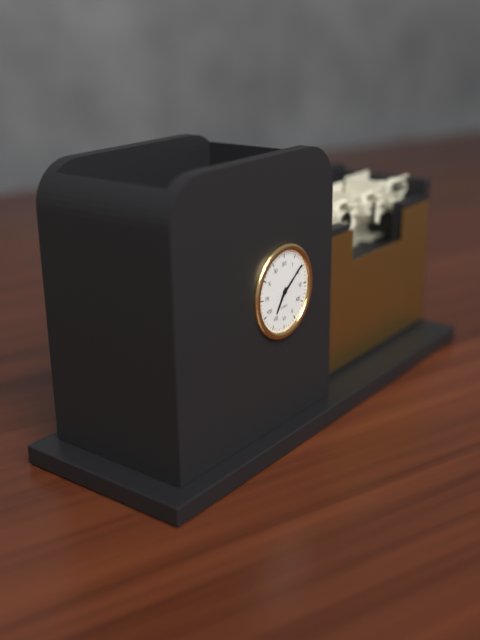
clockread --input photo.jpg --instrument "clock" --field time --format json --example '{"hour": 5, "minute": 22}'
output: {"hour": 7, "minute": 9}
